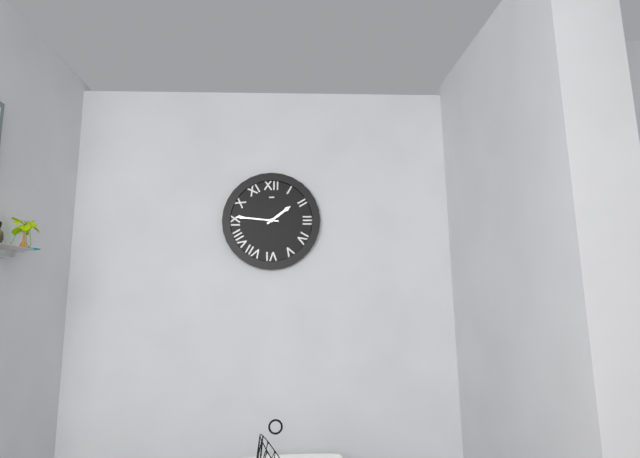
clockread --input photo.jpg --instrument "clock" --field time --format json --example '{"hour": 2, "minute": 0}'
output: {"hour": 1, "minute": 46}
